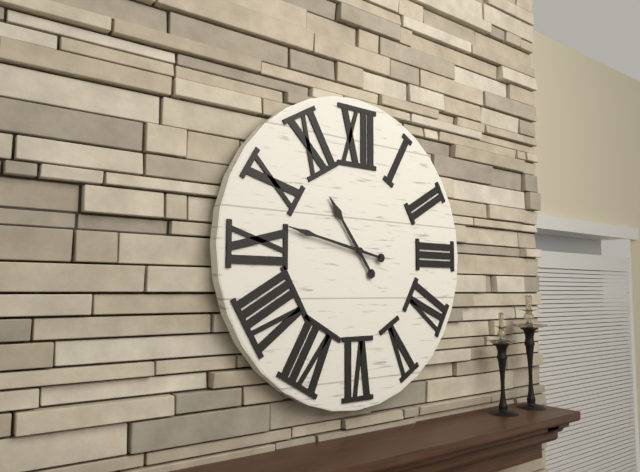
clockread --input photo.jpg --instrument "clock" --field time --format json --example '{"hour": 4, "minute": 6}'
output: {"hour": 10, "minute": 47}
